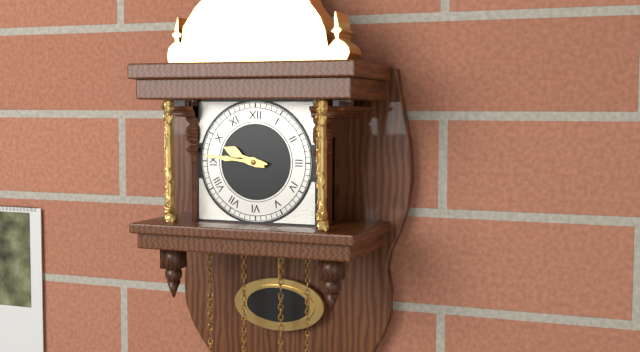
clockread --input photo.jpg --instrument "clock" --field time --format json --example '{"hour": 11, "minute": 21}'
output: {"hour": 9, "minute": 46}
